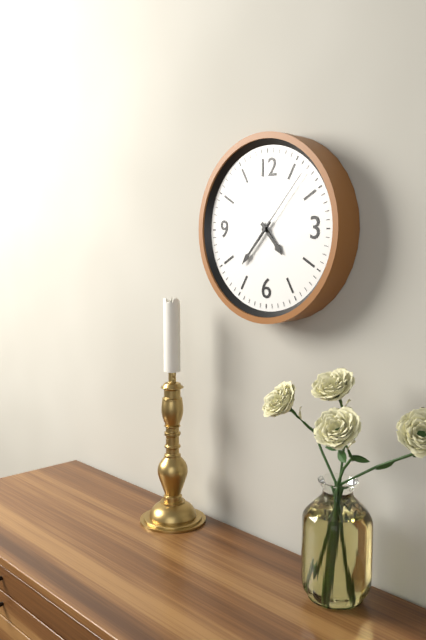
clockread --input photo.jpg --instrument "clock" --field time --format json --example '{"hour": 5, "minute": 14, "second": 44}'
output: {"hour": 4, "minute": 37, "second": 7}
